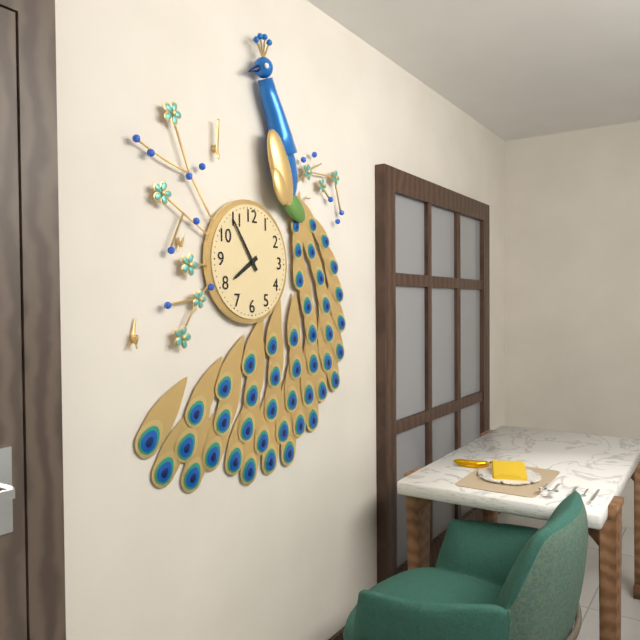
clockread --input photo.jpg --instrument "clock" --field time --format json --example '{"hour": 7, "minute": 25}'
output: {"hour": 7, "minute": 54}
